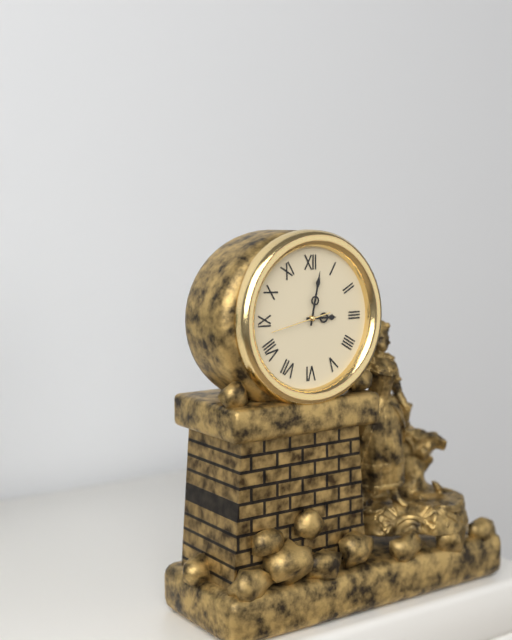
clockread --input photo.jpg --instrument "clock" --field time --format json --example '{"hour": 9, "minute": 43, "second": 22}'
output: {"hour": 3, "minute": 2, "second": 43}
